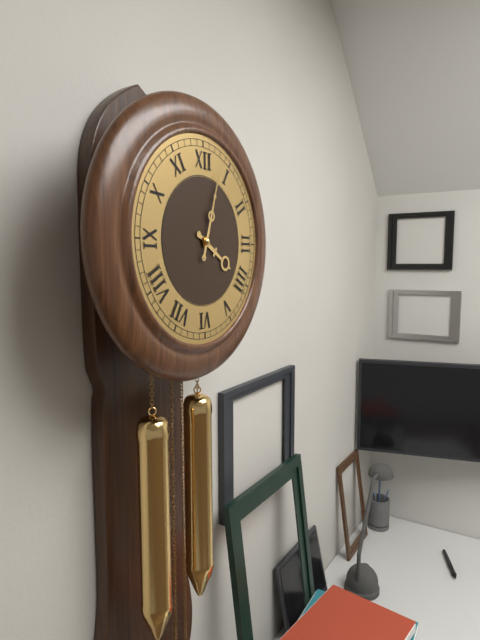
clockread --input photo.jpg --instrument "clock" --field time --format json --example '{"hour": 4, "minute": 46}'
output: {"hour": 4, "minute": 3}
